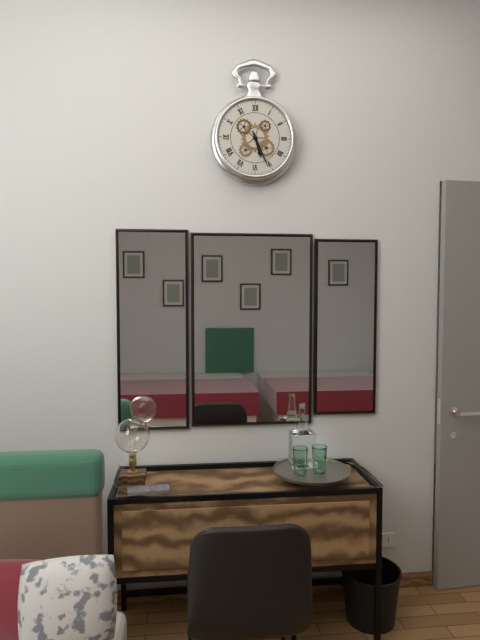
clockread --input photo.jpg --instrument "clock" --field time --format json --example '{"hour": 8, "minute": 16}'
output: {"hour": 5, "minute": 26}
